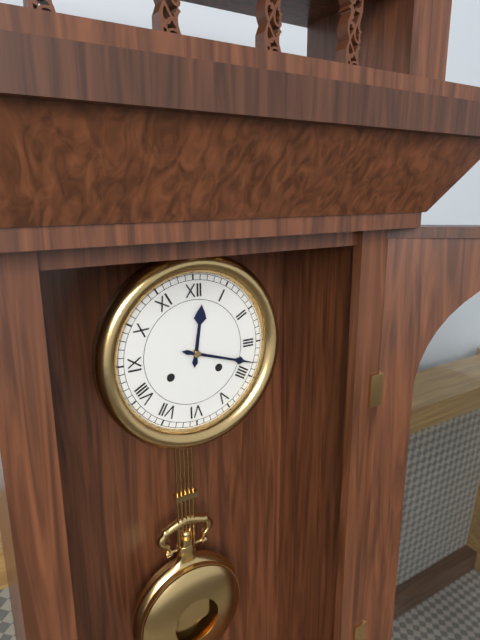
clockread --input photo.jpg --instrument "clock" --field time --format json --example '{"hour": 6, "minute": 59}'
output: {"hour": 12, "minute": 18}
